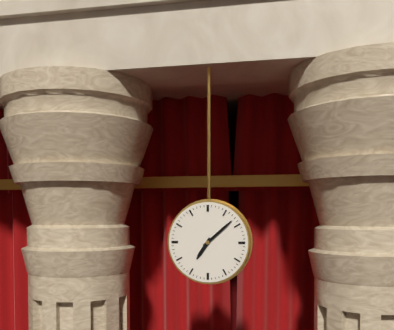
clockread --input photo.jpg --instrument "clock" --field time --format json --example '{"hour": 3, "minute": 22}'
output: {"hour": 7, "minute": 8}
